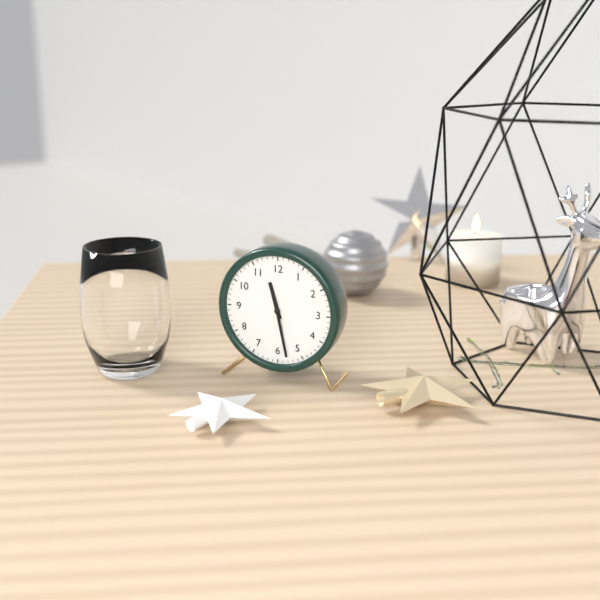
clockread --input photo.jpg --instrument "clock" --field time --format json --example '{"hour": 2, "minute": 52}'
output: {"hour": 11, "minute": 28}
